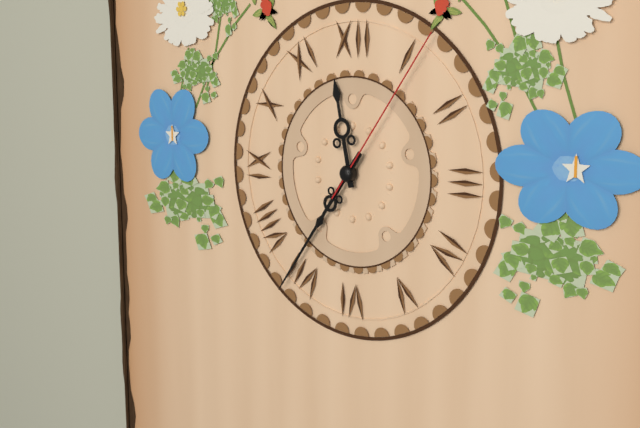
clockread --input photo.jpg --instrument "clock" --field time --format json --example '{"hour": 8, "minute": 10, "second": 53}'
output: {"hour": 11, "minute": 36, "second": 6}
